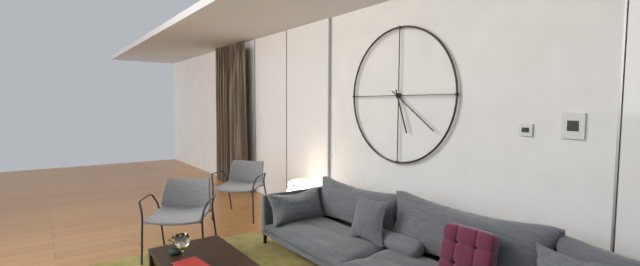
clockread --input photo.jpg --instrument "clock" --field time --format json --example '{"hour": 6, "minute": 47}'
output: {"hour": 5, "minute": 21}
